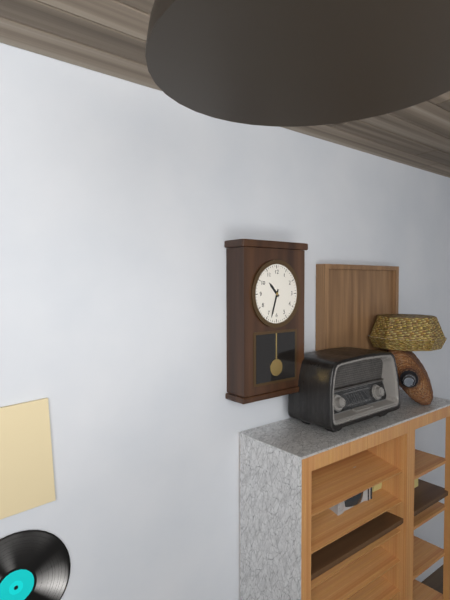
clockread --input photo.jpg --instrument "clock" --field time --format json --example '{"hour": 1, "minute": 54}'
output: {"hour": 10, "minute": 33}
